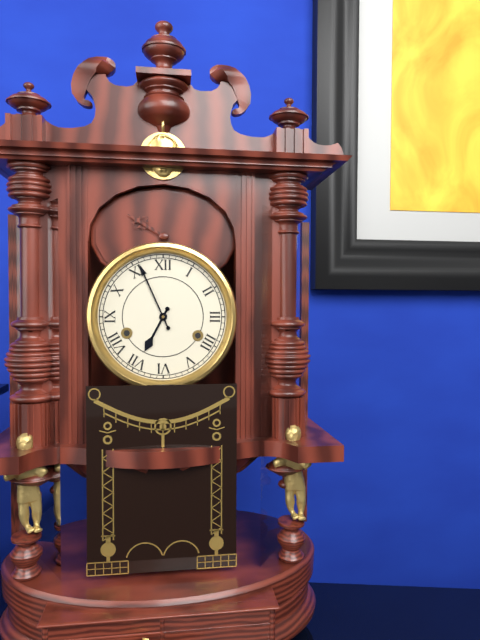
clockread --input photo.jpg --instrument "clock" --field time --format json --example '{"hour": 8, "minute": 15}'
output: {"hour": 6, "minute": 56}
